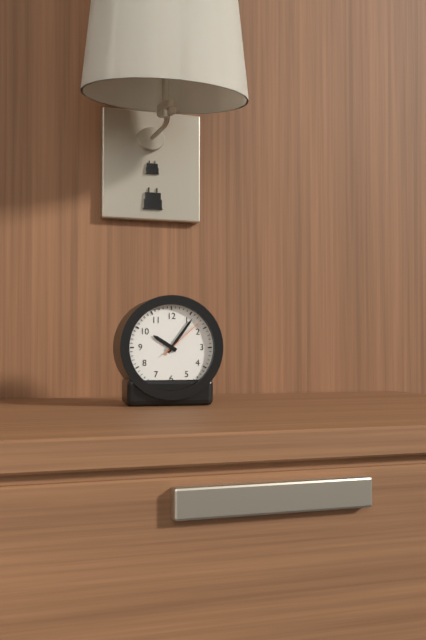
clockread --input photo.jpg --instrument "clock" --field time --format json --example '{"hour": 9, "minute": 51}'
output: {"hour": 10, "minute": 6}
